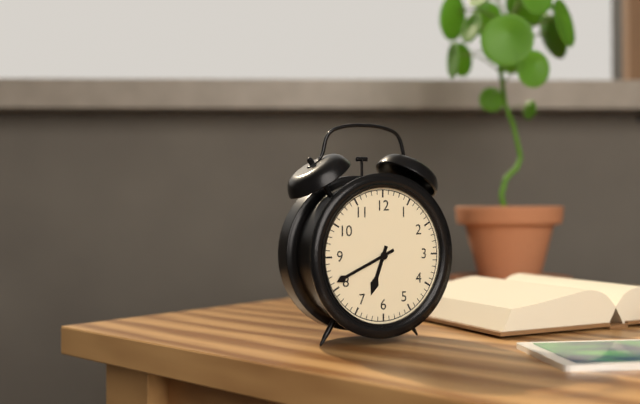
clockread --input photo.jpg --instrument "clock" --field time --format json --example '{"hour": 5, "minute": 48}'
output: {"hour": 6, "minute": 41}
